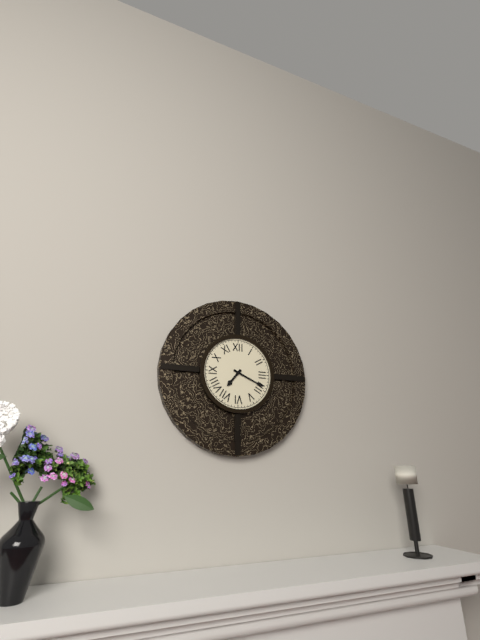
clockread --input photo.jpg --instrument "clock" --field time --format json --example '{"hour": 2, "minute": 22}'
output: {"hour": 7, "minute": 19}
